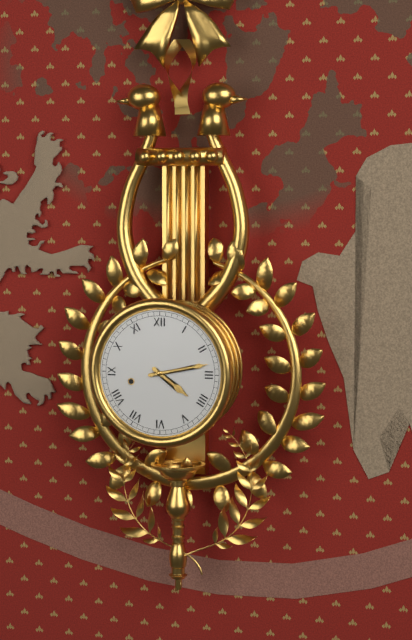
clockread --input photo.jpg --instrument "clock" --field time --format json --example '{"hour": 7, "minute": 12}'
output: {"hour": 4, "minute": 13}
